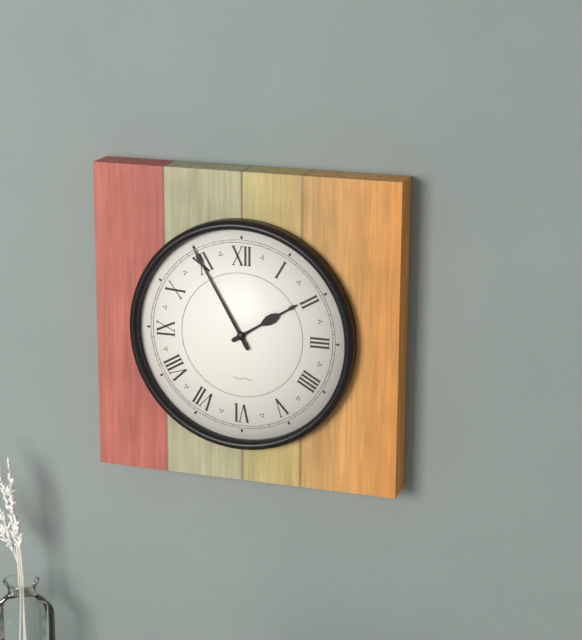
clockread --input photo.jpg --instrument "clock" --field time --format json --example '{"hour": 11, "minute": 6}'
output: {"hour": 1, "minute": 55}
